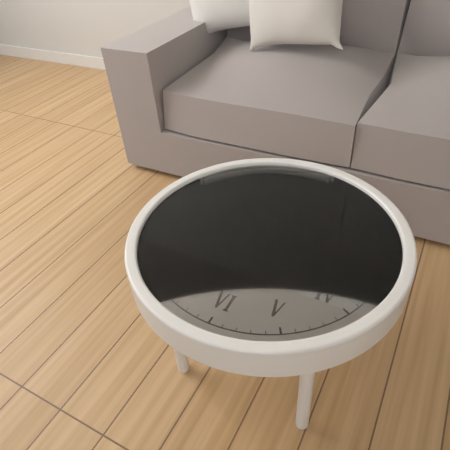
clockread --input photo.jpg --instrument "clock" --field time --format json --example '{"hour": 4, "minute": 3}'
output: {"hour": 5, "minute": 57}
